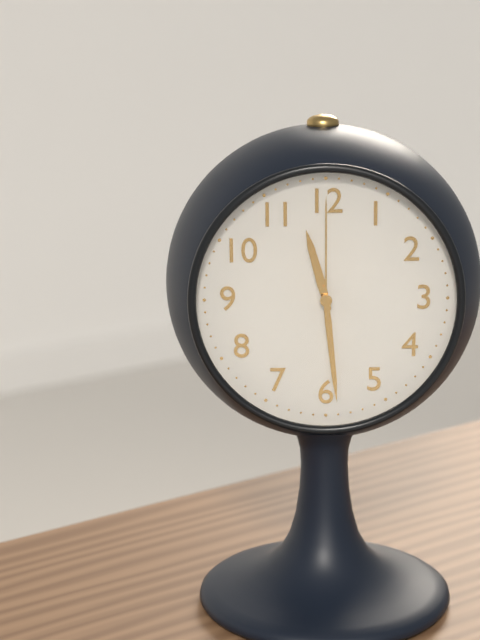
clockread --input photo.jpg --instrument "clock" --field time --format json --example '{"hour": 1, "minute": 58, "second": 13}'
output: {"hour": 11, "minute": 29, "second": 0}
